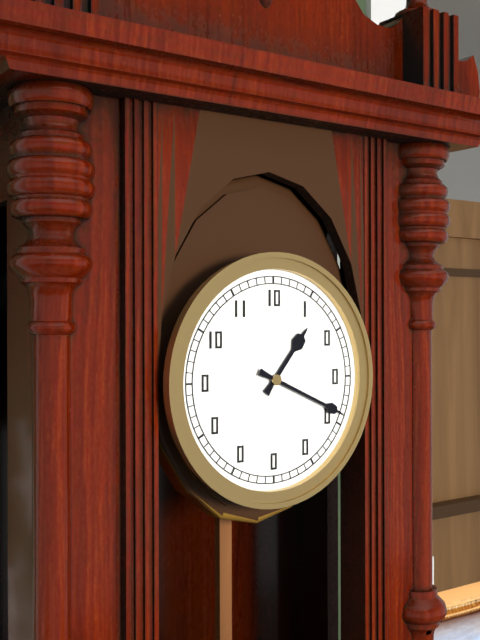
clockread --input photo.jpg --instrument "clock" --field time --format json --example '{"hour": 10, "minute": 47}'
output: {"hour": 1, "minute": 19}
